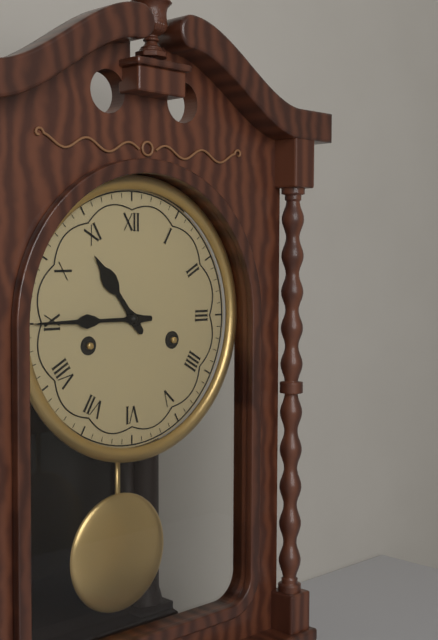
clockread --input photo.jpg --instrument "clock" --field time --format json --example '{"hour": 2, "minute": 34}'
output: {"hour": 10, "minute": 45}
